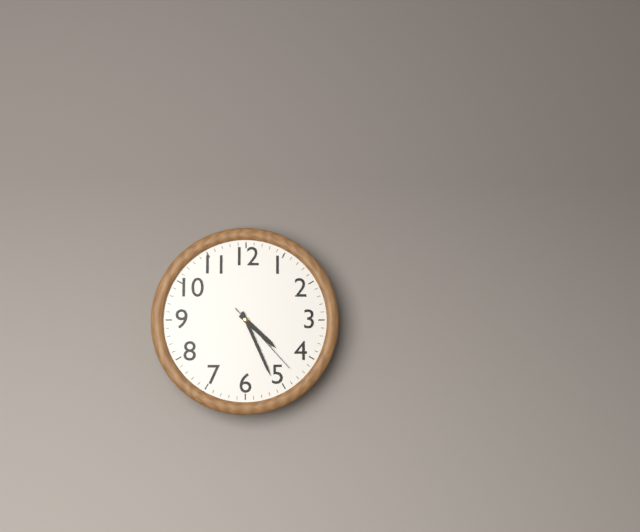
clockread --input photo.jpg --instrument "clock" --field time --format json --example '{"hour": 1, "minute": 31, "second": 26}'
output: {"hour": 4, "minute": 26, "second": 23}
